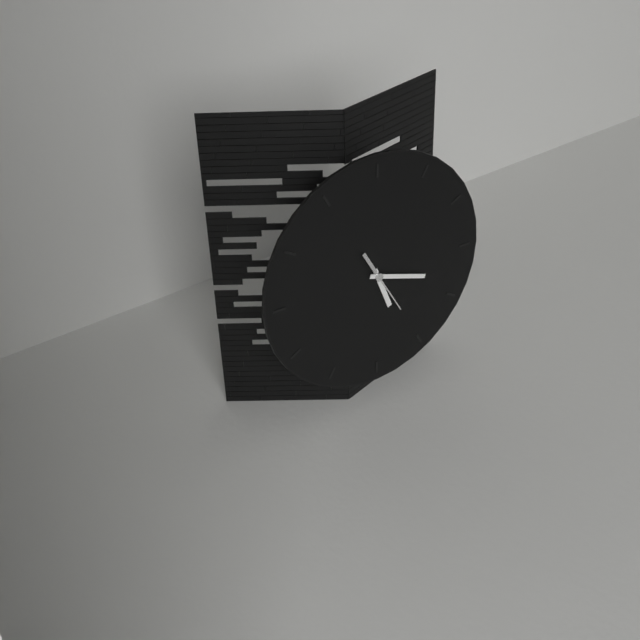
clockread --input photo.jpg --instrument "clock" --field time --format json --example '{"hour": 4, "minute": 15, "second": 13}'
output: {"hour": 5, "minute": 18, "second": 25}
